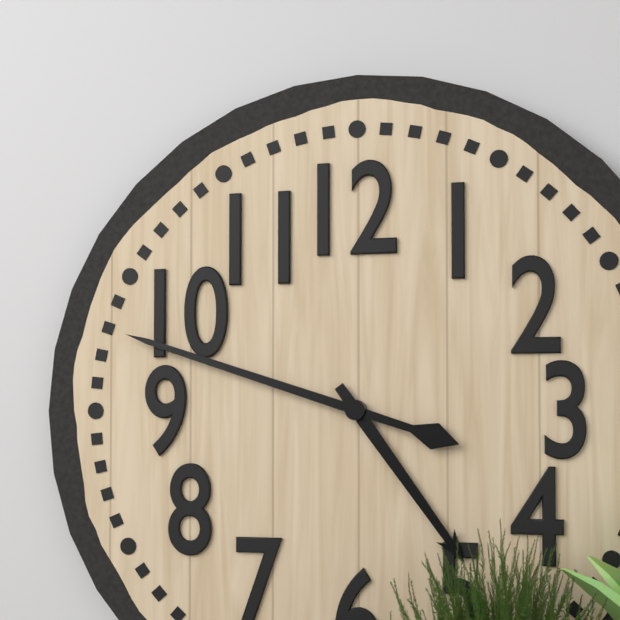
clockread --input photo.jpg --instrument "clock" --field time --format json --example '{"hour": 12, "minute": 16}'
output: {"hour": 4, "minute": 48}
